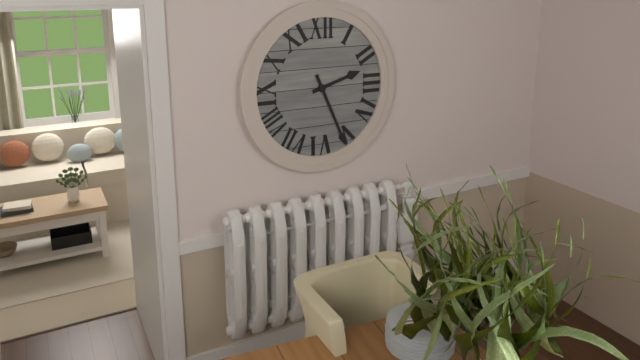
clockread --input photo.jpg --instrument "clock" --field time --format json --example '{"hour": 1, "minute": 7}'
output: {"hour": 2, "minute": 26}
